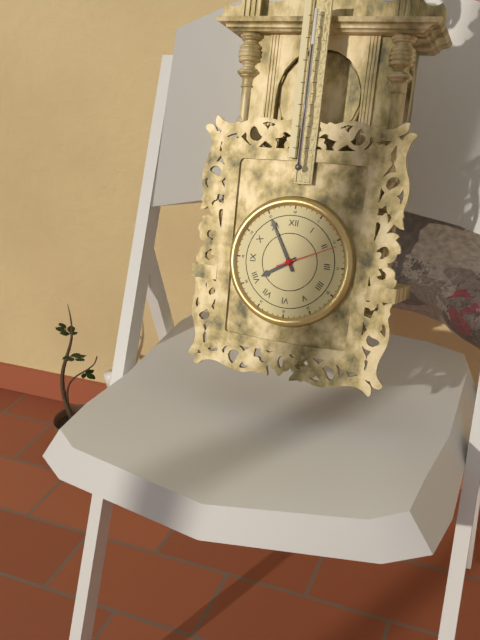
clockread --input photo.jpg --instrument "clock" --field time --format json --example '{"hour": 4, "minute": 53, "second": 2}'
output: {"hour": 7, "minute": 55, "second": 11}
